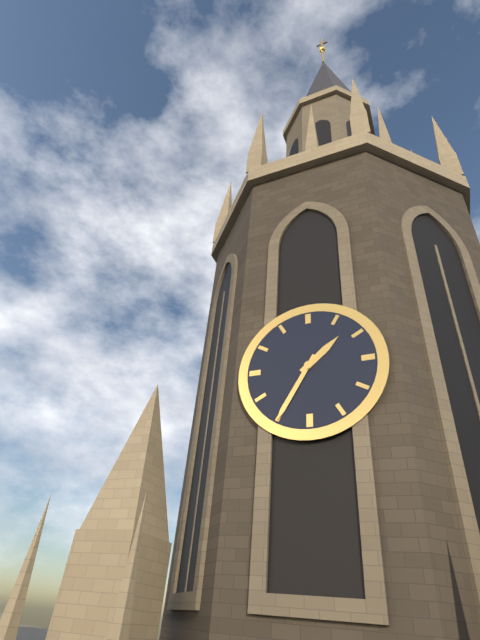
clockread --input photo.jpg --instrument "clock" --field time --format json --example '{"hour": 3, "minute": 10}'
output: {"hour": 1, "minute": 35}
